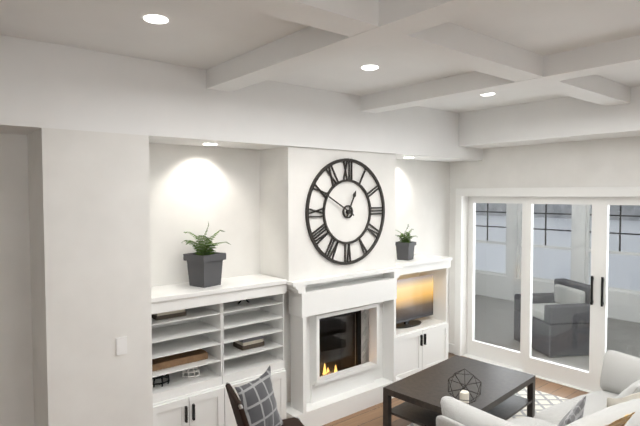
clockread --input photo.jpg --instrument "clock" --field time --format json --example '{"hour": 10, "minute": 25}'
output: {"hour": 12, "minute": 50}
